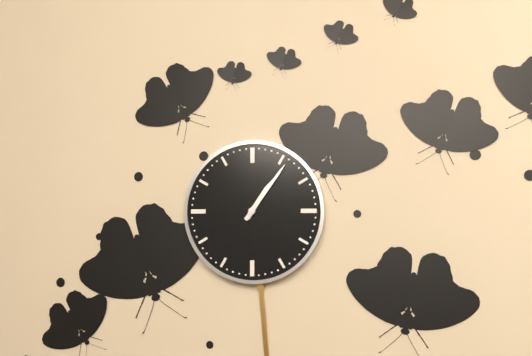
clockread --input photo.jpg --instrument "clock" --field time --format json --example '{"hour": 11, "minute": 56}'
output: {"hour": 1, "minute": 6}
